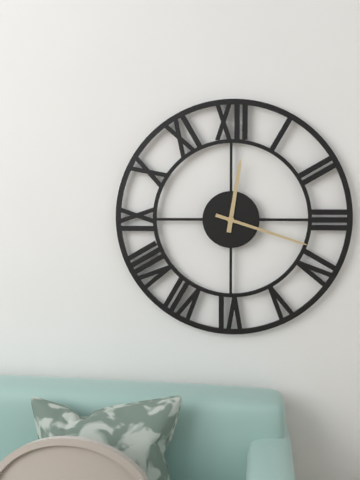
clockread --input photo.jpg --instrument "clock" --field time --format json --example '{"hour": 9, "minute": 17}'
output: {"hour": 12, "minute": 18}
